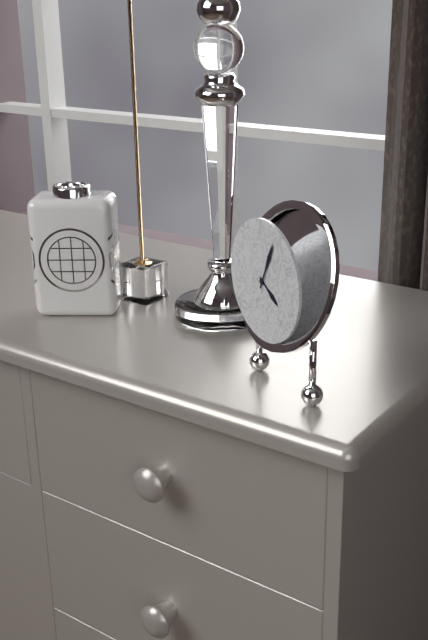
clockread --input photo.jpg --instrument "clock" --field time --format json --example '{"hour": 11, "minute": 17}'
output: {"hour": 4, "minute": 4}
